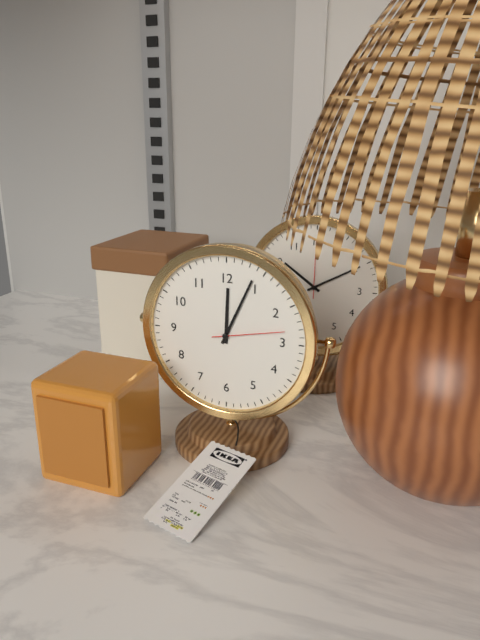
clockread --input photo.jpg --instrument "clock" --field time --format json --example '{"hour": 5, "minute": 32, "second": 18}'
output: {"hour": 12, "minute": 4, "second": 13}
